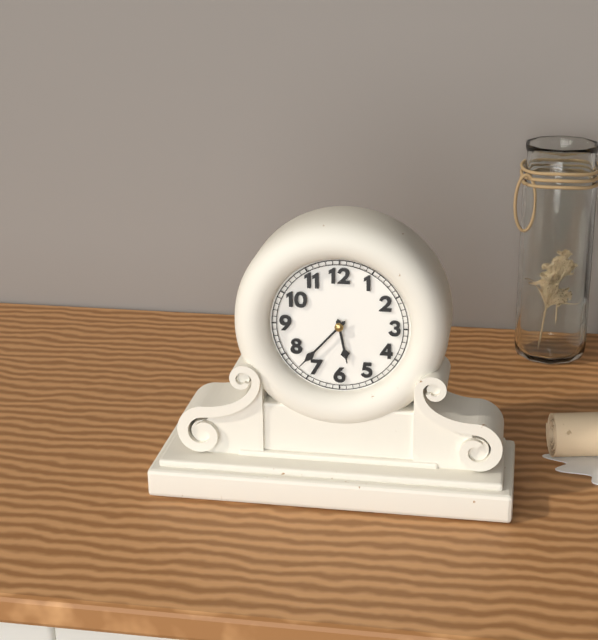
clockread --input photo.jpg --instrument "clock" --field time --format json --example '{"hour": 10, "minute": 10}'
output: {"hour": 5, "minute": 37}
